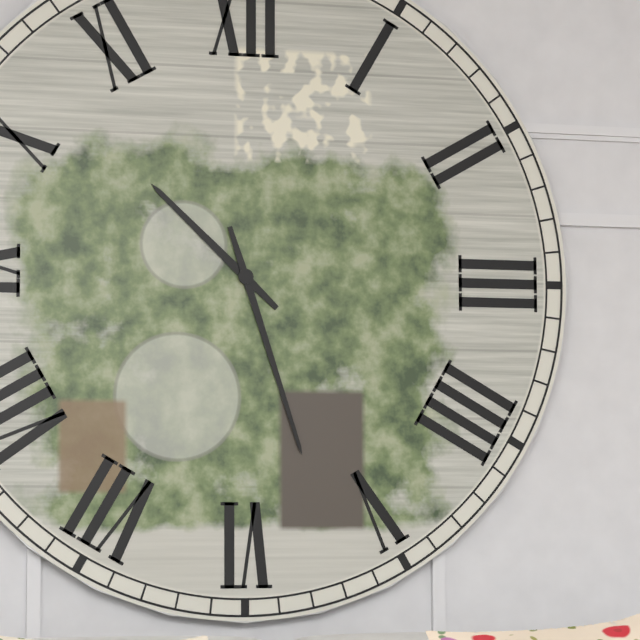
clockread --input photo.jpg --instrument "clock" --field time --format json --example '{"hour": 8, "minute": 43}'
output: {"hour": 10, "minute": 27}
